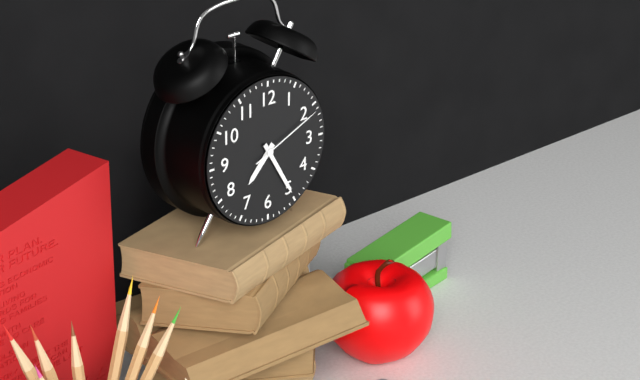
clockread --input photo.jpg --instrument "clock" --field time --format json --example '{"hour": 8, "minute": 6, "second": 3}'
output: {"hour": 7, "minute": 25, "second": 11}
